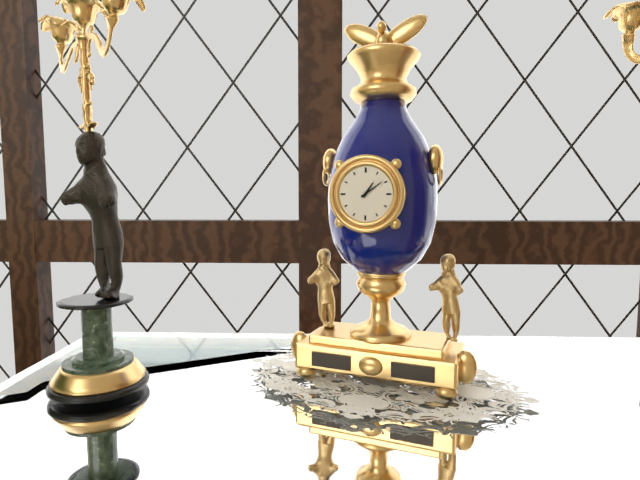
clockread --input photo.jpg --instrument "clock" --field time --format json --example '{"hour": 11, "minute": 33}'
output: {"hour": 1, "minute": 9}
